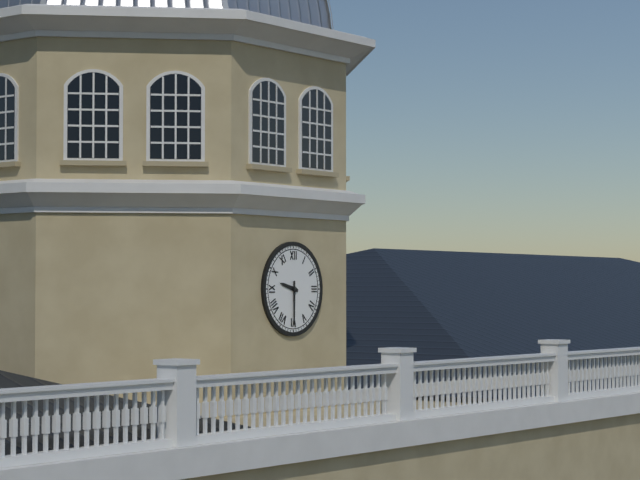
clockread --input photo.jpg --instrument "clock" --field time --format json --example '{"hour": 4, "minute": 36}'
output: {"hour": 9, "minute": 30}
